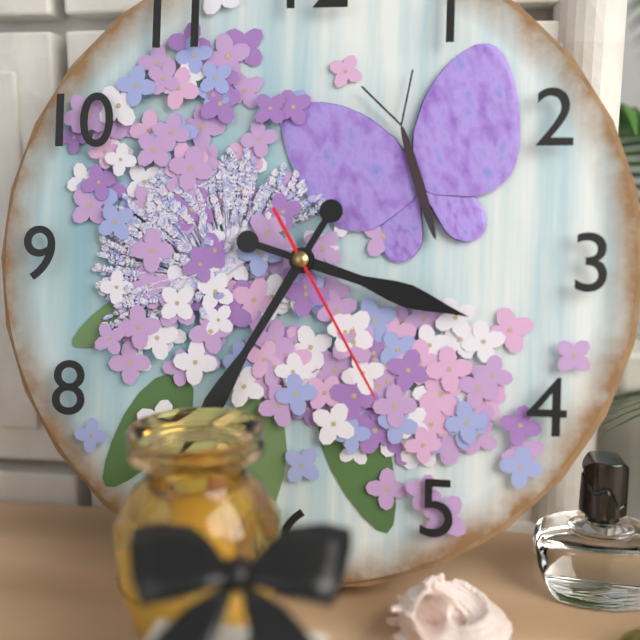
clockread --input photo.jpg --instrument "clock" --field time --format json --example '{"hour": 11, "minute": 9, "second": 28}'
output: {"hour": 3, "minute": 35, "second": 25}
